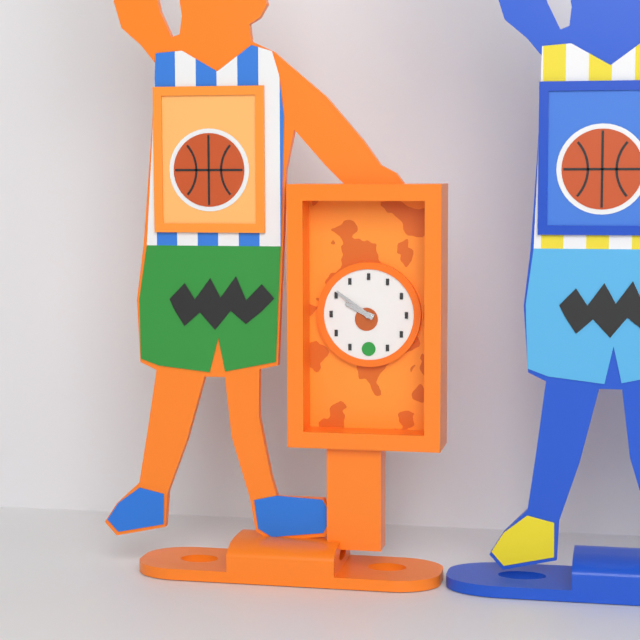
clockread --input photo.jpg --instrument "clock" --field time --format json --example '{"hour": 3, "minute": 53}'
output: {"hour": 9, "minute": 51}
